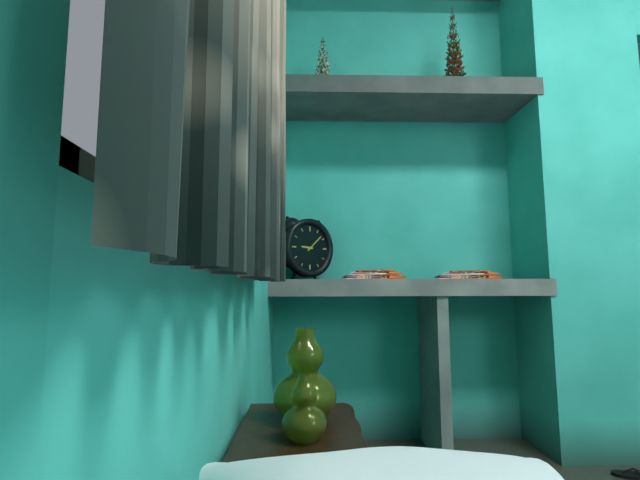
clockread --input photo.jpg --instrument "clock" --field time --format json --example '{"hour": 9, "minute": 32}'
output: {"hour": 9, "minute": 8}
